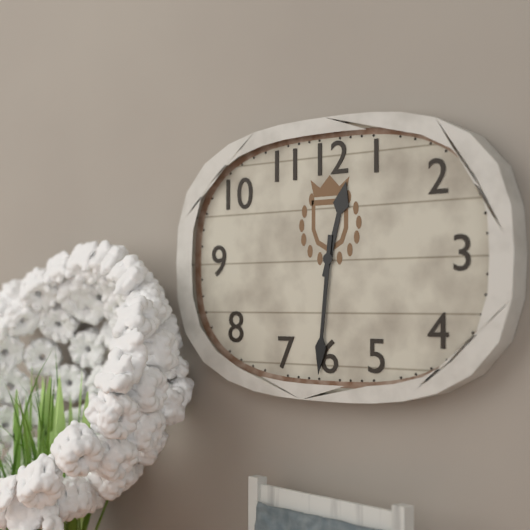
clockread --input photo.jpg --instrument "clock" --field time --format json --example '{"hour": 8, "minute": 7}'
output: {"hour": 12, "minute": 31}
